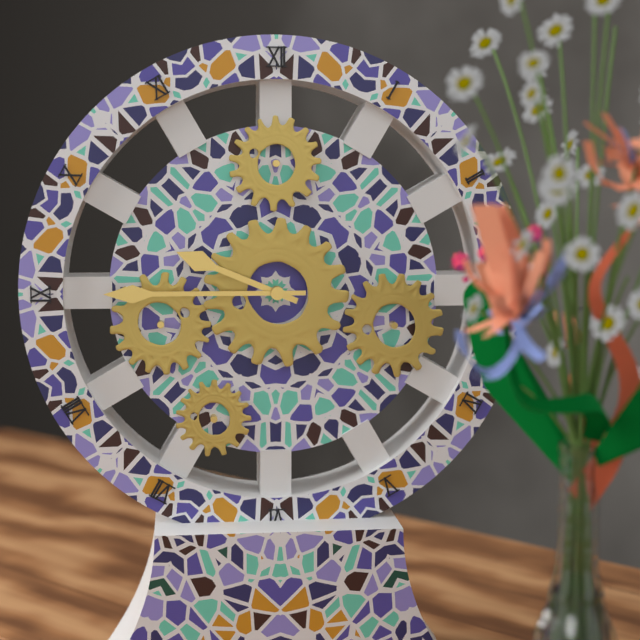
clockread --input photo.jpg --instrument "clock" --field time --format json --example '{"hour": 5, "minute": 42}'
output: {"hour": 9, "minute": 45}
